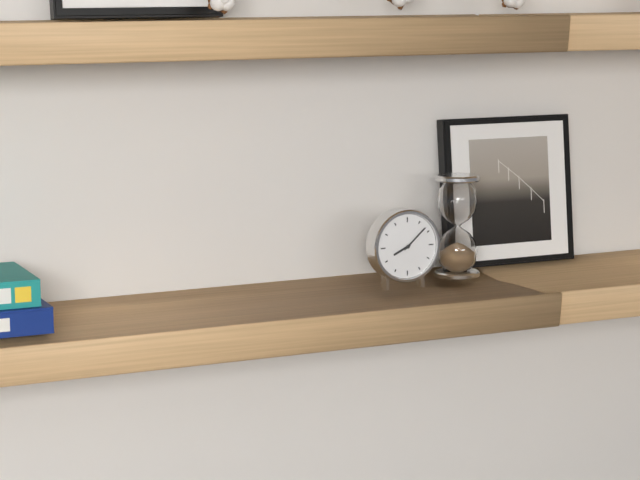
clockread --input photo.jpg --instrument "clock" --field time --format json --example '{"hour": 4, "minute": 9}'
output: {"hour": 8, "minute": 8}
